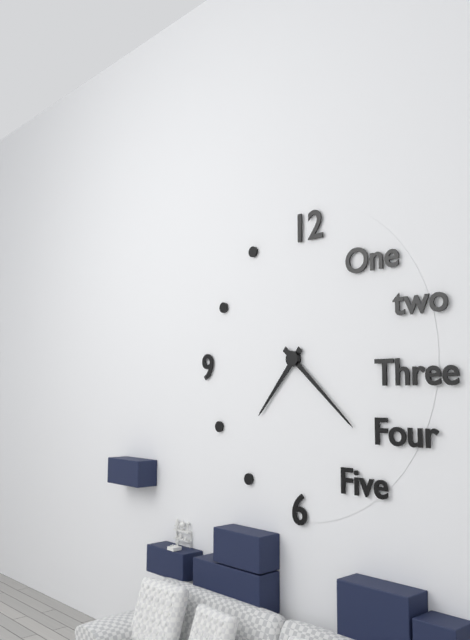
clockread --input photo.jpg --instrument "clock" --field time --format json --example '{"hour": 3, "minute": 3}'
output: {"hour": 7, "minute": 22}
